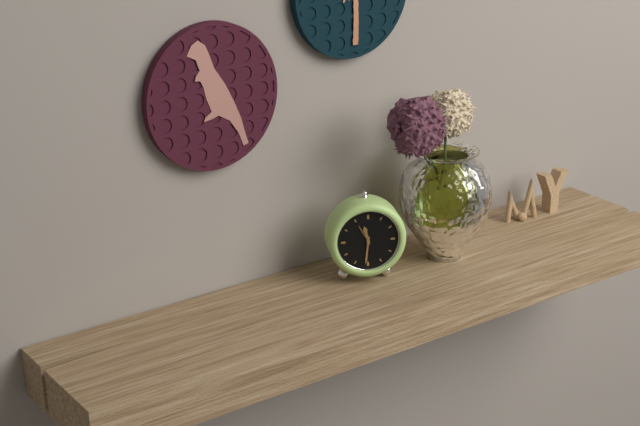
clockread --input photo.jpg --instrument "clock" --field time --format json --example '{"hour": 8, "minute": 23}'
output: {"hour": 11, "minute": 31}
